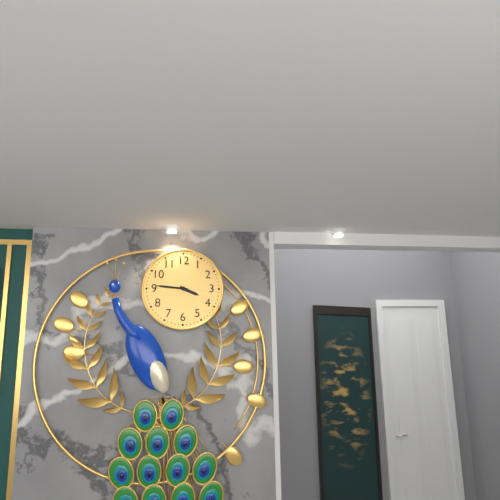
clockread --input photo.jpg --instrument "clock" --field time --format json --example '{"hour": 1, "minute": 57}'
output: {"hour": 3, "minute": 46}
